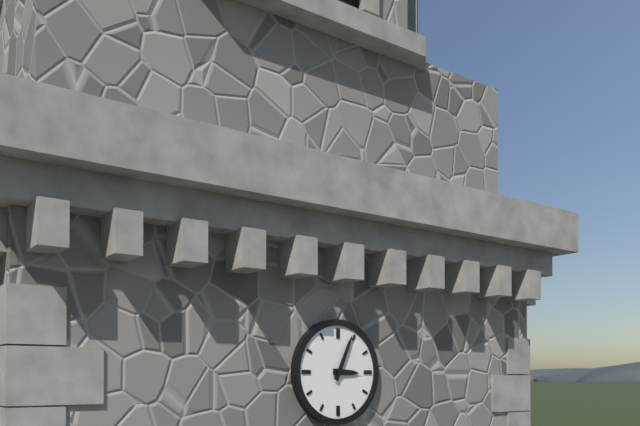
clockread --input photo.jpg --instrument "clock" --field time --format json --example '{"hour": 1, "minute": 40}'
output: {"hour": 3, "minute": 4}
